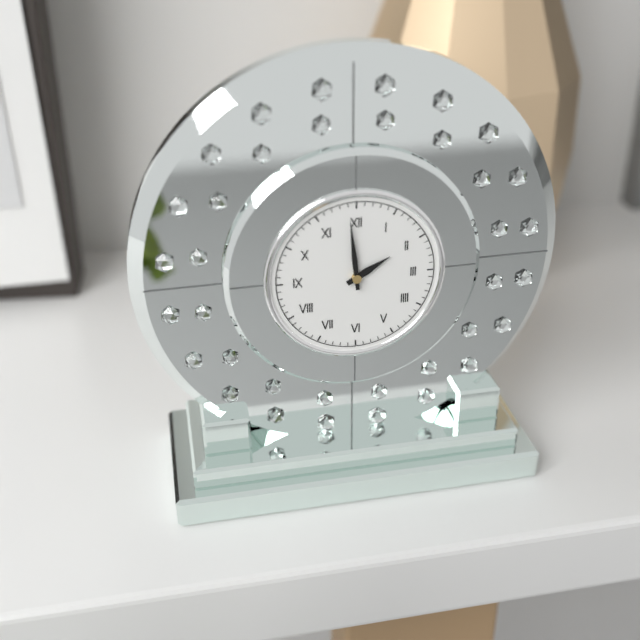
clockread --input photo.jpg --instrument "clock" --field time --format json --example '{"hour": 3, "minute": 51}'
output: {"hour": 1, "minute": 59}
